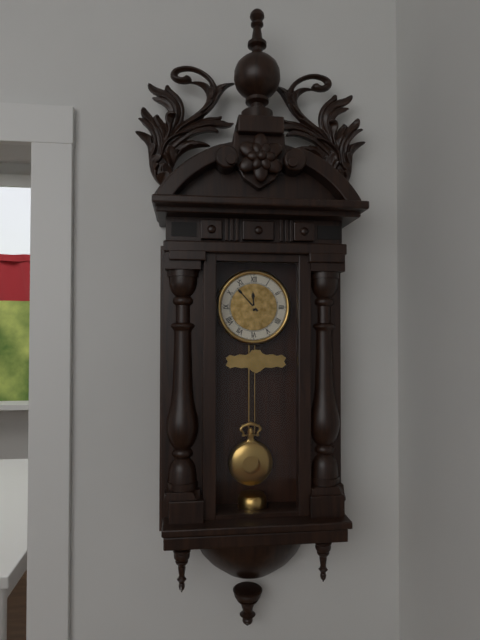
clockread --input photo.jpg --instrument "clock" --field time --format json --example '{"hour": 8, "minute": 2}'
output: {"hour": 11, "minute": 53}
